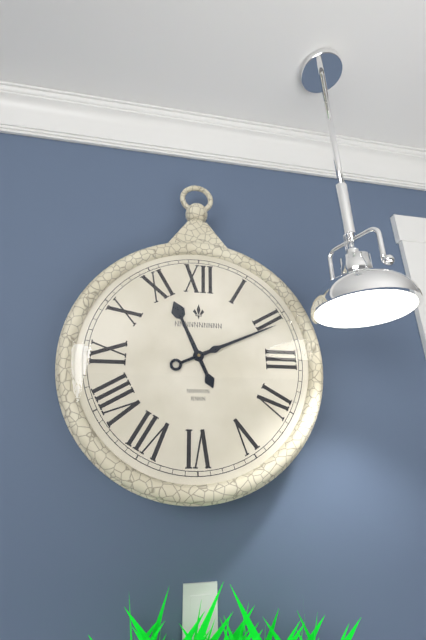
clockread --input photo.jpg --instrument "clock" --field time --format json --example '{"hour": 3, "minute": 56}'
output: {"hour": 11, "minute": 11}
